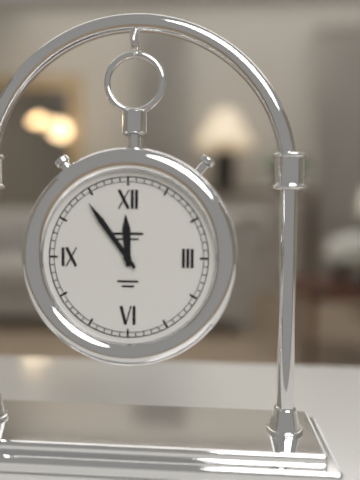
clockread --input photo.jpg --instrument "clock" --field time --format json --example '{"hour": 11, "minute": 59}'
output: {"hour": 11, "minute": 54}
